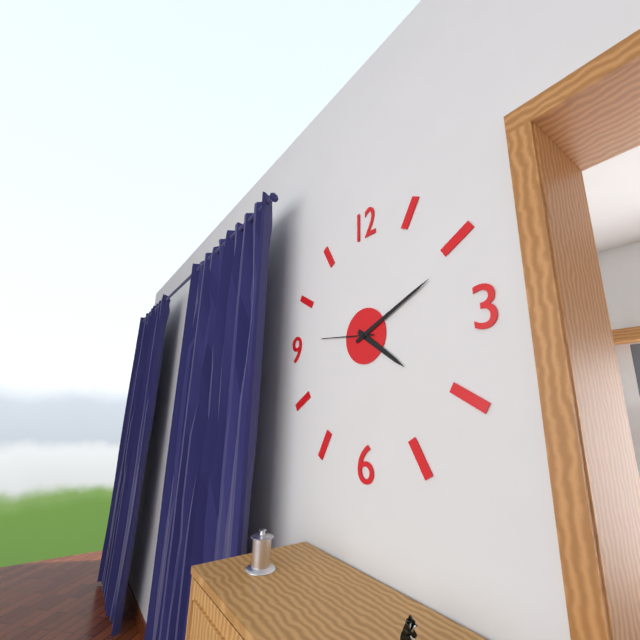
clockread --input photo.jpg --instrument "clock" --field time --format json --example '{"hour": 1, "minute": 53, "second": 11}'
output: {"hour": 4, "minute": 11, "second": 46}
